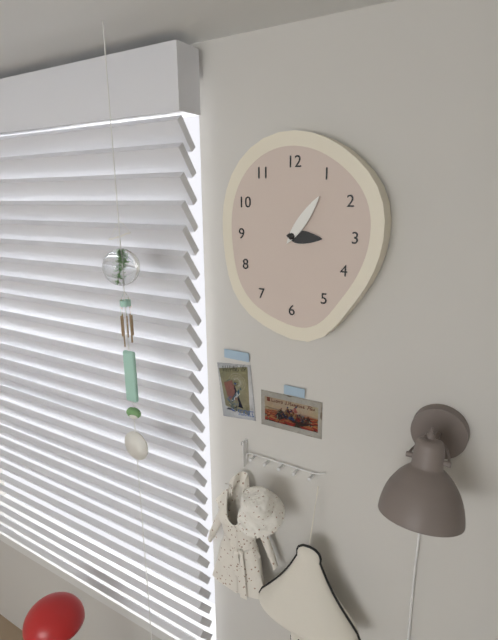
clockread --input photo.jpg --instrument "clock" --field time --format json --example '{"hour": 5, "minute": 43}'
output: {"hour": 3, "minute": 6}
